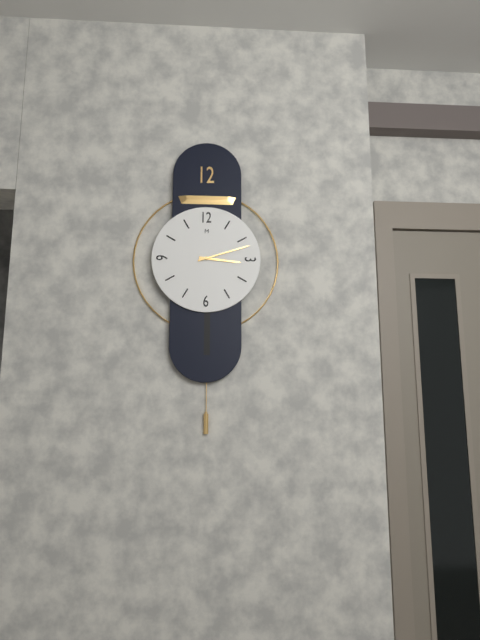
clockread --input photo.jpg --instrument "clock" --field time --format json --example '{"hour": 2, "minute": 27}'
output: {"hour": 3, "minute": 12}
